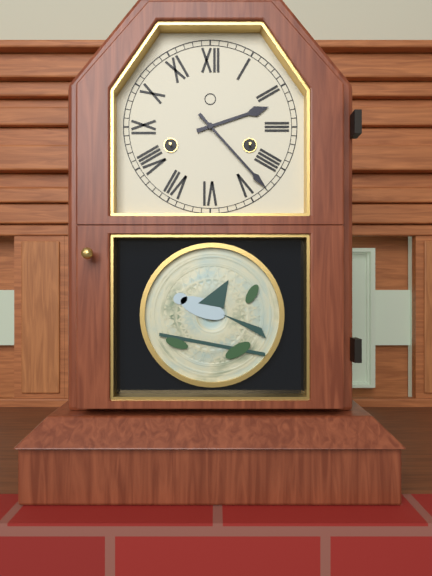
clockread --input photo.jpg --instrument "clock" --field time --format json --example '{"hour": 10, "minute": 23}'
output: {"hour": 2, "minute": 23}
